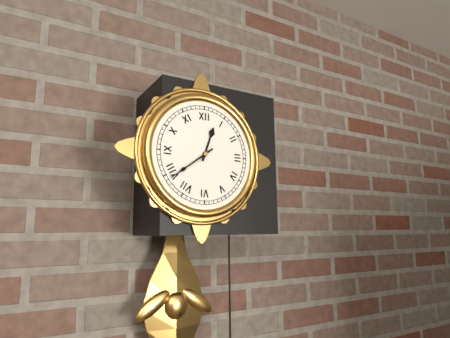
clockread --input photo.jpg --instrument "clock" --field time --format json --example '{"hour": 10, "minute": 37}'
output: {"hour": 12, "minute": 39}
